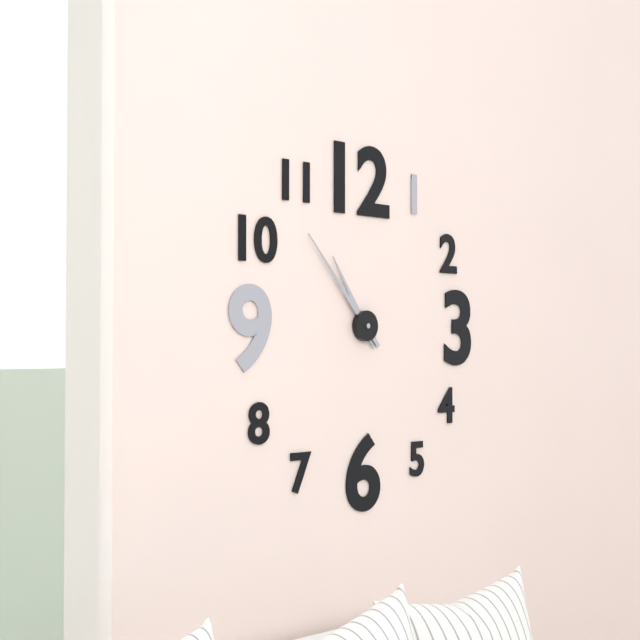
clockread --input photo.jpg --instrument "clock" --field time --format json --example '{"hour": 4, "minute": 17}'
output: {"hour": 10, "minute": 53}
